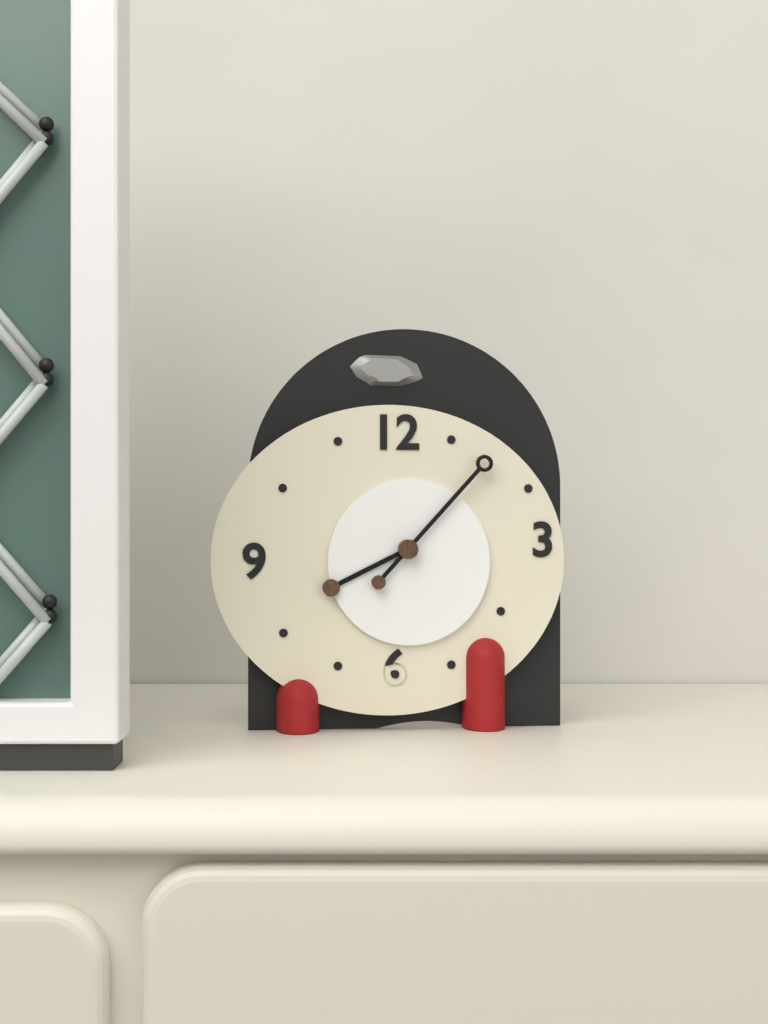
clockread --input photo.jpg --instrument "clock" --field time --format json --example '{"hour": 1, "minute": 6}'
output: {"hour": 8, "minute": 7}
